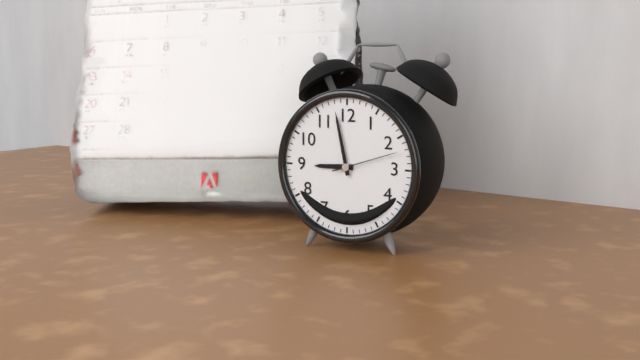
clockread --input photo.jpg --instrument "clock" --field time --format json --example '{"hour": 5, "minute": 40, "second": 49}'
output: {"hour": 8, "minute": 58, "second": 12}
